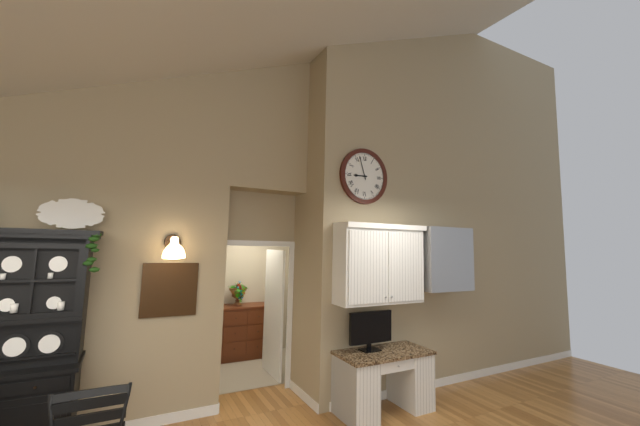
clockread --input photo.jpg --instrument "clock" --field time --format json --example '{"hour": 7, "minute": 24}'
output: {"hour": 8, "minute": 57}
